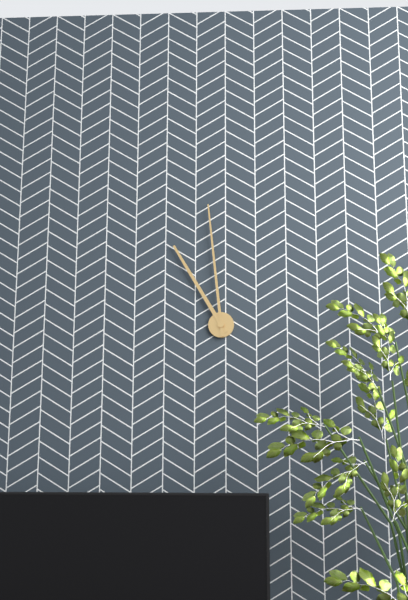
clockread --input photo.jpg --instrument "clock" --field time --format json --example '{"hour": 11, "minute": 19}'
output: {"hour": 10, "minute": 59}
